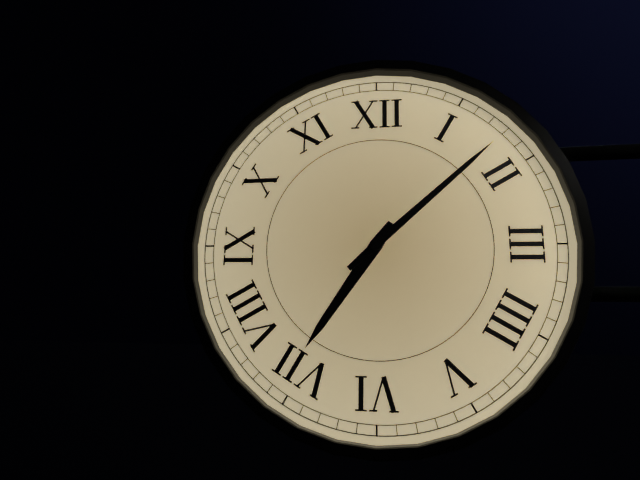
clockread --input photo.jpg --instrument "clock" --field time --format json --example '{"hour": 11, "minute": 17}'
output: {"hour": 7, "minute": 8}
